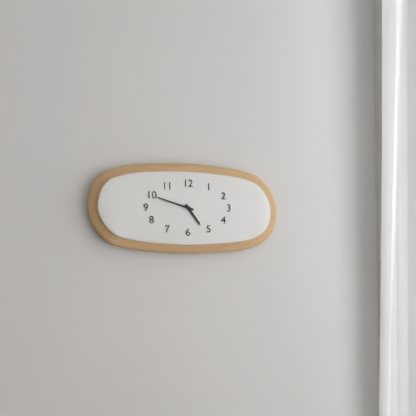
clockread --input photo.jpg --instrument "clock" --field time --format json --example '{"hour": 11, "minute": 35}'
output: {"hour": 4, "minute": 48}
